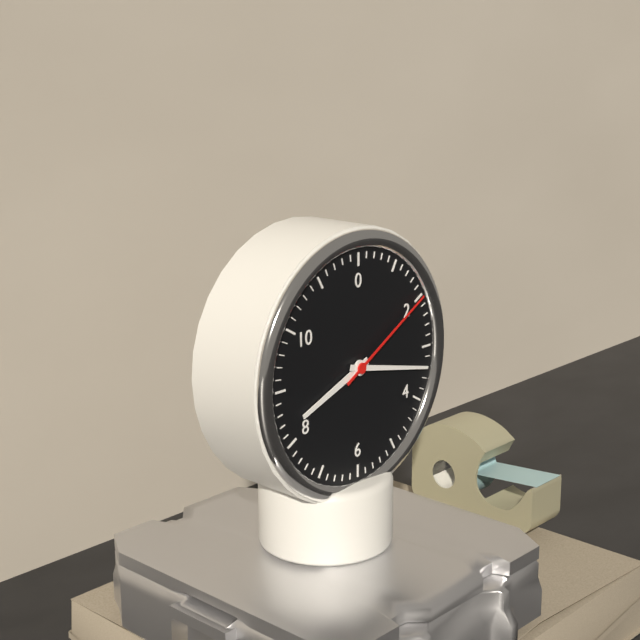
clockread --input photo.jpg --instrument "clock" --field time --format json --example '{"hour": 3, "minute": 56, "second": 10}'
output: {"hour": 8, "minute": 17, "second": 10}
